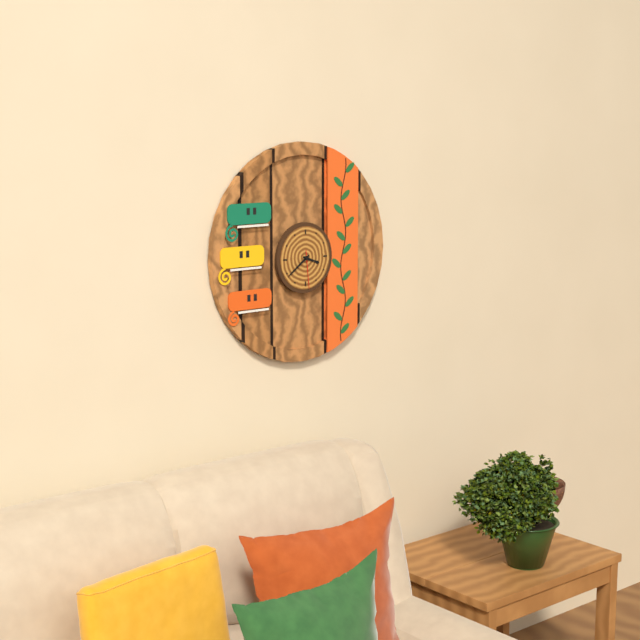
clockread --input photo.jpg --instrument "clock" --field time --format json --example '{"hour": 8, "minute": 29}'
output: {"hour": 3, "minute": 39}
